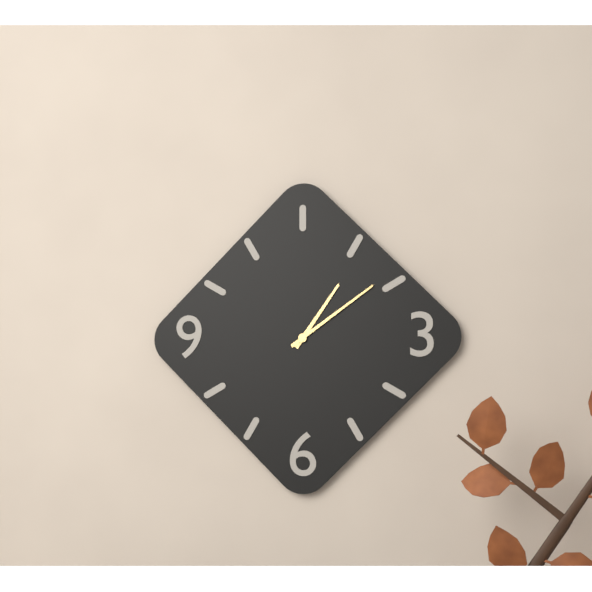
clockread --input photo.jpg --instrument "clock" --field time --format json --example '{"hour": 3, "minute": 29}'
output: {"hour": 1, "minute": 9}
